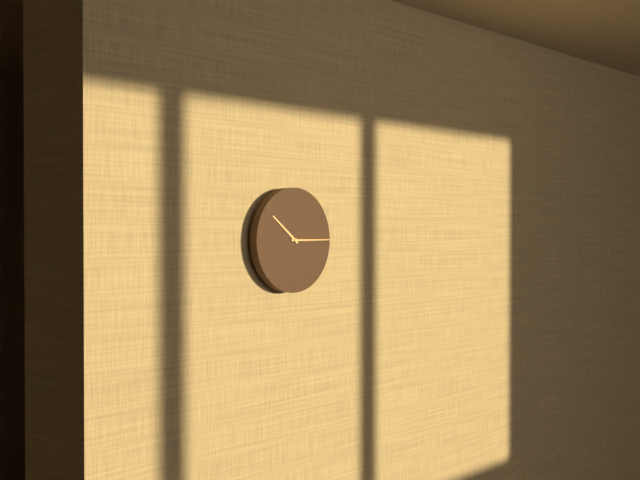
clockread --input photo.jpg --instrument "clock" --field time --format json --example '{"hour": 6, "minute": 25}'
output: {"hour": 10, "minute": 15}
